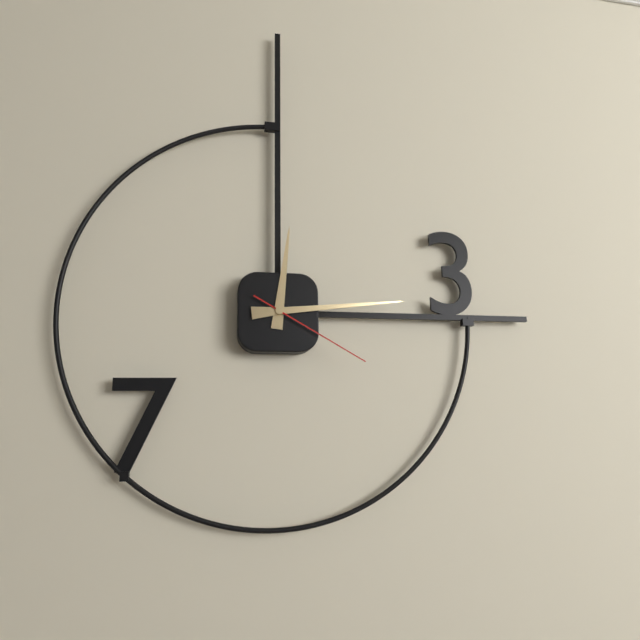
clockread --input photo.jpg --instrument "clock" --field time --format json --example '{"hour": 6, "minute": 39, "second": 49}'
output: {"hour": 12, "minute": 14, "second": 20}
